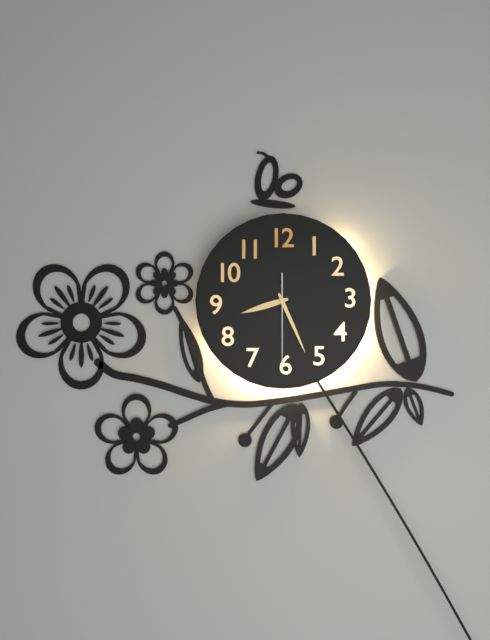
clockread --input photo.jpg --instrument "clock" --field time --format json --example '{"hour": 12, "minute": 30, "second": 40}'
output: {"hour": 8, "minute": 26, "second": 30}
